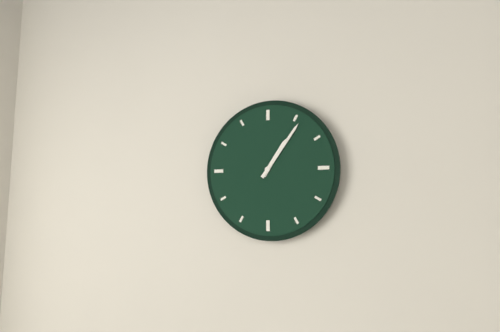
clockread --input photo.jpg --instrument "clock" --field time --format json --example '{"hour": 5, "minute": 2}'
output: {"hour": 1, "minute": 6}
